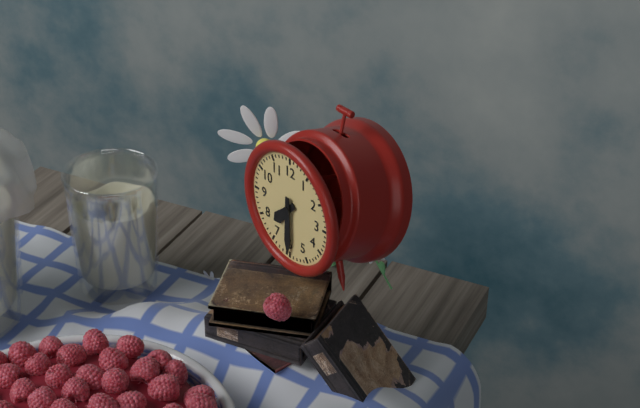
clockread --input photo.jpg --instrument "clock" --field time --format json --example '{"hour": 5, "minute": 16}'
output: {"hour": 7, "minute": 30}
